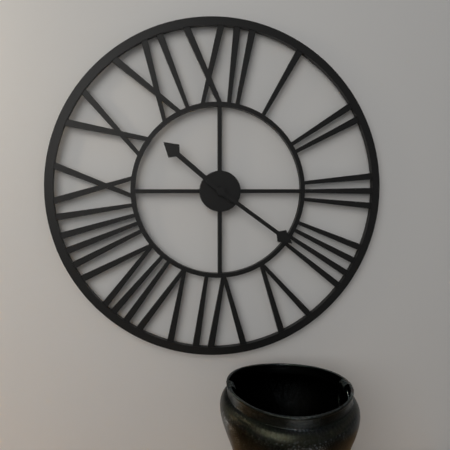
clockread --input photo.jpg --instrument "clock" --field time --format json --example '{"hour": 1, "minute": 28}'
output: {"hour": 10, "minute": 21}
